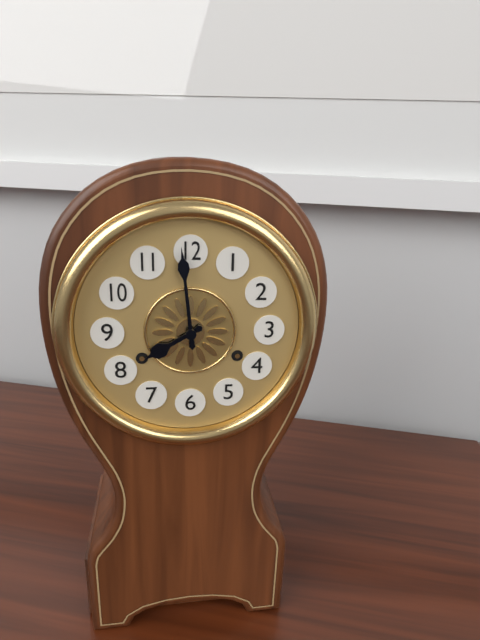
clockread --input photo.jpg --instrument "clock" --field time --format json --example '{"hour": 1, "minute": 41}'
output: {"hour": 7, "minute": 59}
